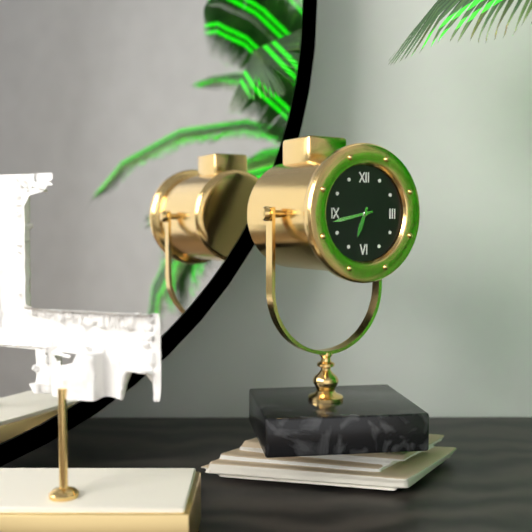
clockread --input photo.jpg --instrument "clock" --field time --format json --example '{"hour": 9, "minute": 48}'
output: {"hour": 6, "minute": 43}
